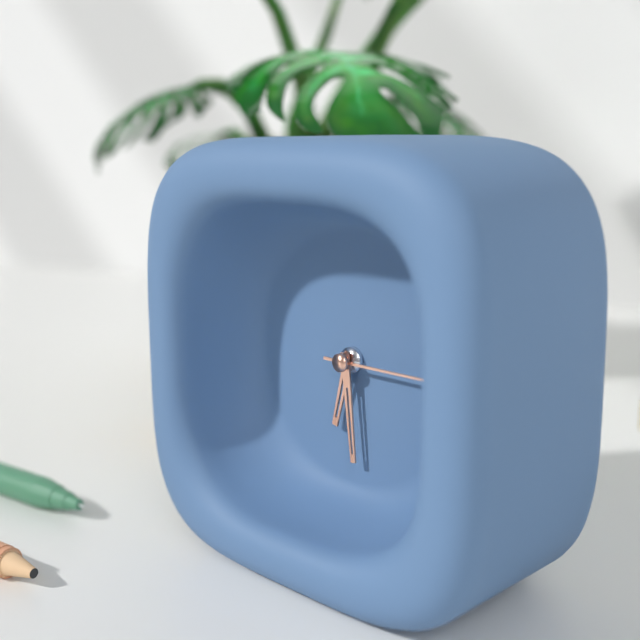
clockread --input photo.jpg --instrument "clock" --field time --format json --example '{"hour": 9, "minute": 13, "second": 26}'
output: {"hour": 6, "minute": 29, "second": 15}
